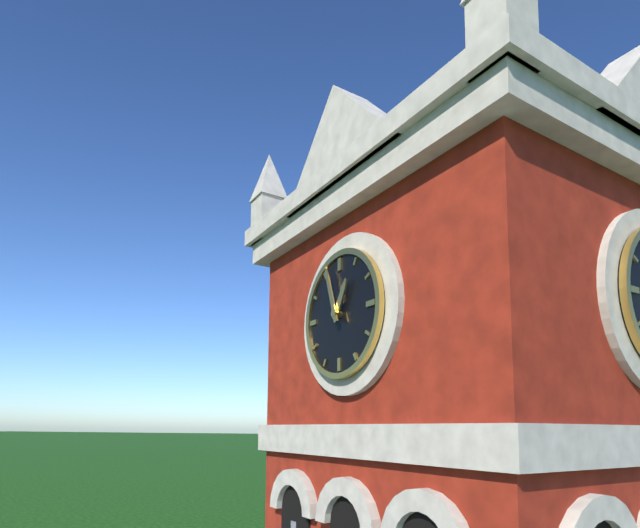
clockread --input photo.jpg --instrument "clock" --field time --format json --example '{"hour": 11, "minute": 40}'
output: {"hour": 12, "minute": 57}
